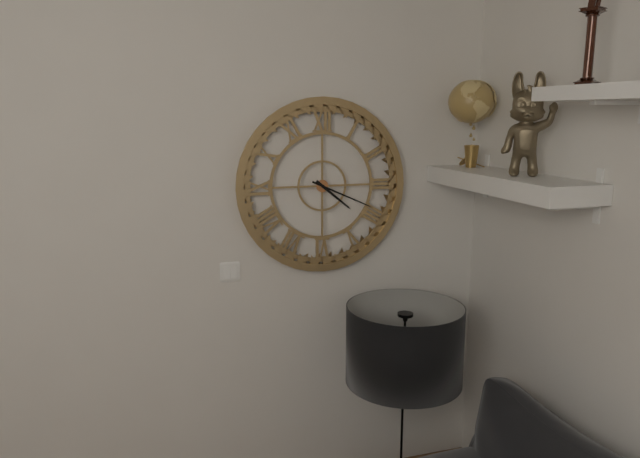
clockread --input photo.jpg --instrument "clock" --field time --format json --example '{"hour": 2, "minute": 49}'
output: {"hour": 4, "minute": 19}
